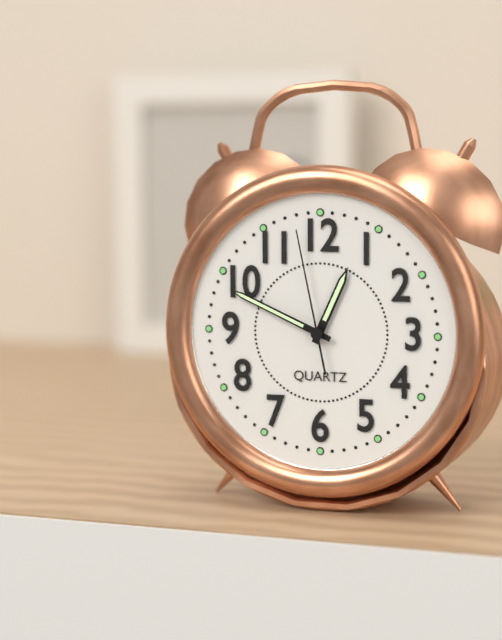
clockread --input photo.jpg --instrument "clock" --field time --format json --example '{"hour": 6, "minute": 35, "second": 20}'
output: {"hour": 12, "minute": 49, "second": 58}
